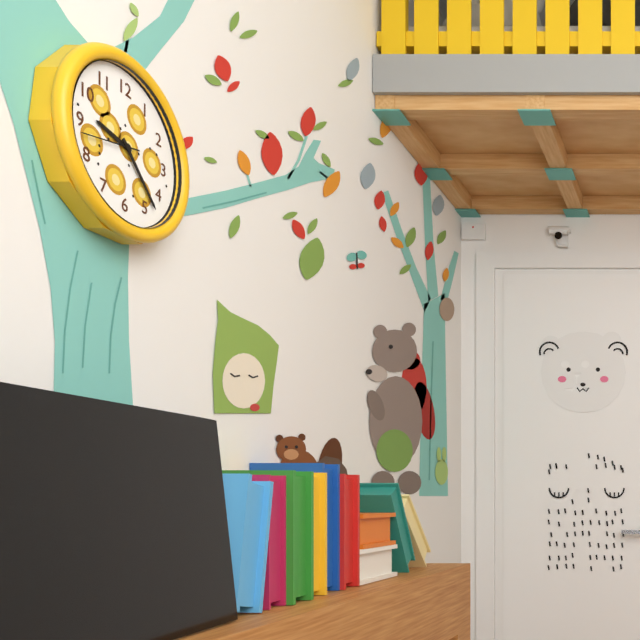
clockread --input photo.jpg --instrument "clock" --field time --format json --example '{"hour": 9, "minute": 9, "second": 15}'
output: {"hour": 9, "minute": 23, "second": 43}
